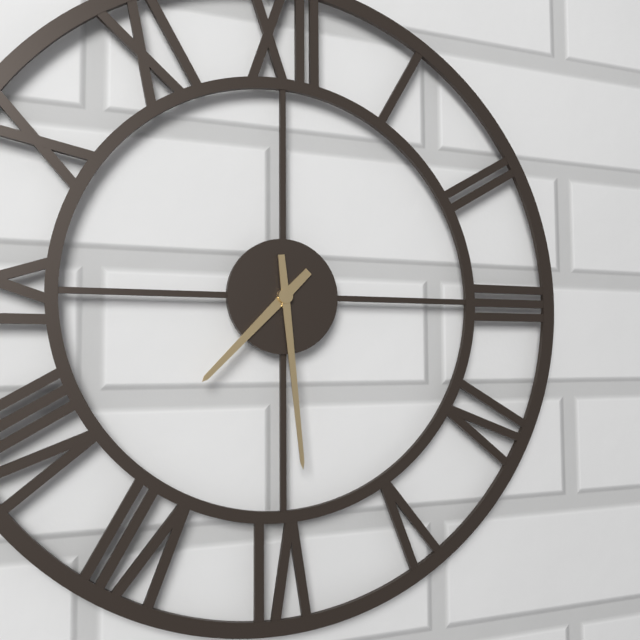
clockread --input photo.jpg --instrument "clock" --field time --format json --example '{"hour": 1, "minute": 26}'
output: {"hour": 7, "minute": 29}
